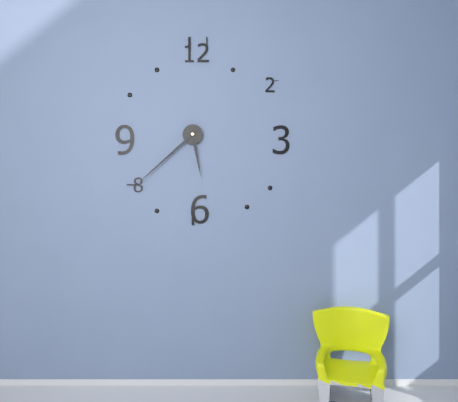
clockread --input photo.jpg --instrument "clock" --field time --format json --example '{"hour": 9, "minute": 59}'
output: {"hour": 5, "minute": 38}
